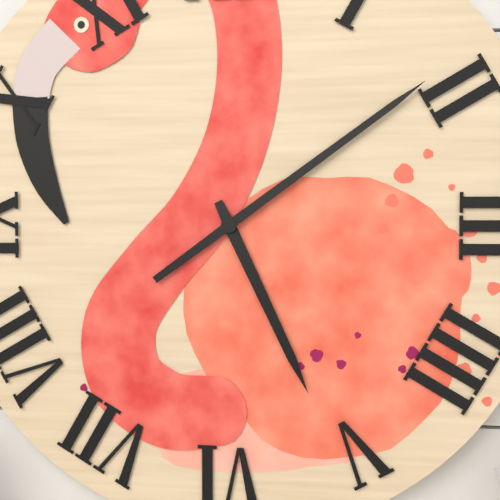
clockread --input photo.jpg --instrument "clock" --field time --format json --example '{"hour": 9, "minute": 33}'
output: {"hour": 5, "minute": 9}
